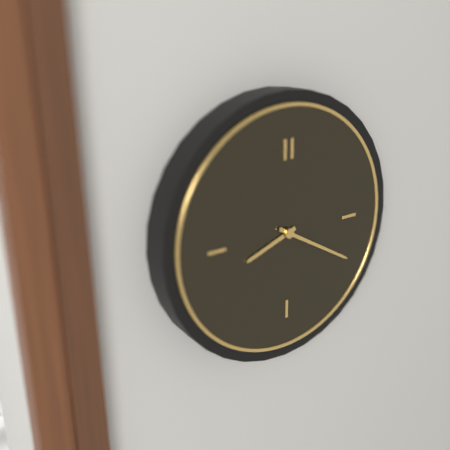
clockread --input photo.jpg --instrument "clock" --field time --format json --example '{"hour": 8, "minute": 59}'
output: {"hour": 8, "minute": 20}
